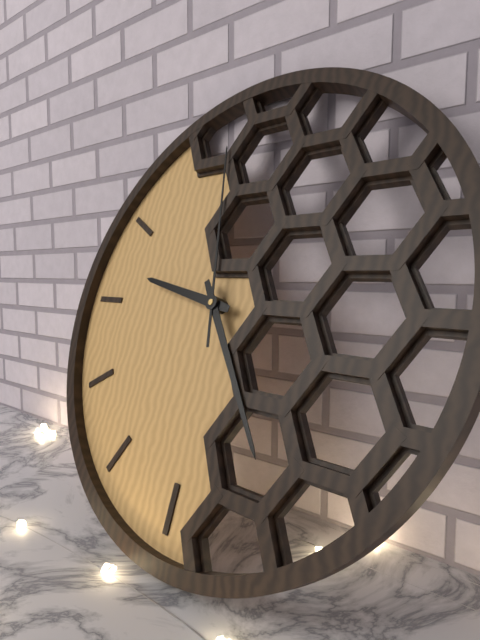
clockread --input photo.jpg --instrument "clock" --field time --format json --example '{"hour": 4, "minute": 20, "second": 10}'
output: {"hour": 9, "minute": 24, "second": 58}
